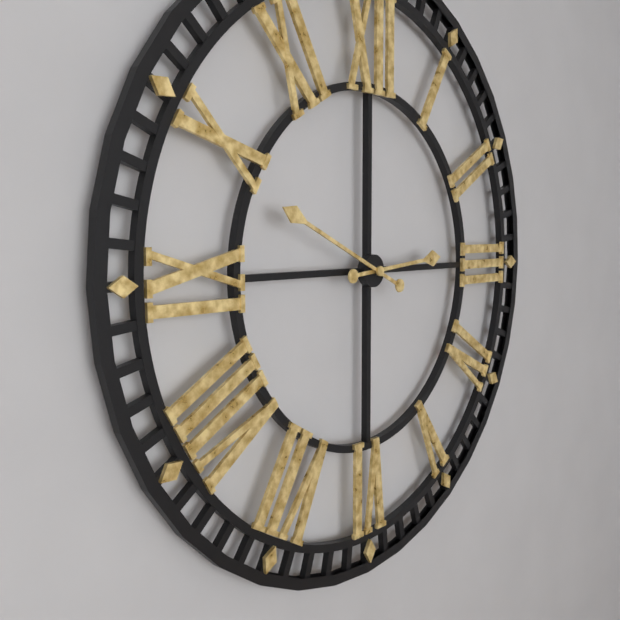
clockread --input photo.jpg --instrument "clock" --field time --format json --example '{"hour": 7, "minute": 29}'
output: {"hour": 2, "minute": 49}
